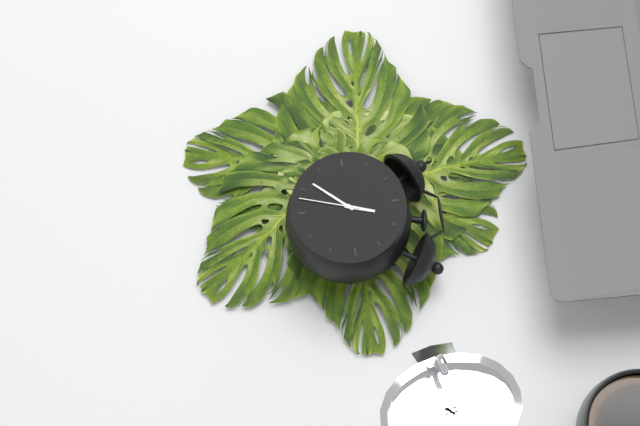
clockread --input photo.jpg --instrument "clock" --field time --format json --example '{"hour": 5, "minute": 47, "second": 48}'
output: {"hour": 12, "minute": 37, "second": 33}
